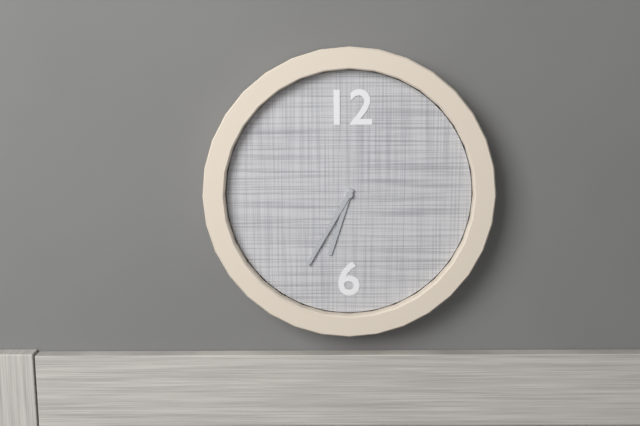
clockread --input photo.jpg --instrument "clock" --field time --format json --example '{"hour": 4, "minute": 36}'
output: {"hour": 6, "minute": 35}
